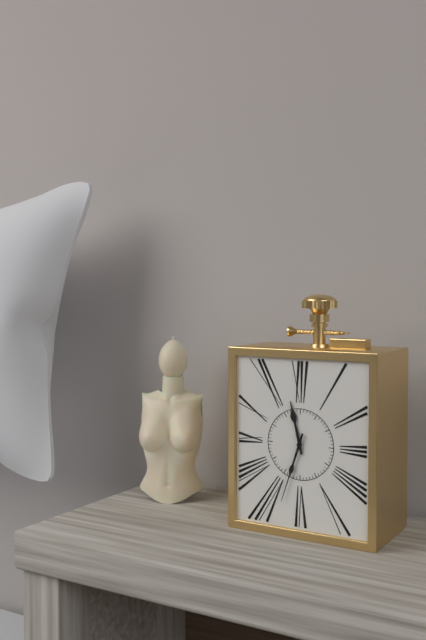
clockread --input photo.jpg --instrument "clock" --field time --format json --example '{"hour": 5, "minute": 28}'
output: {"hour": 11, "minute": 33}
